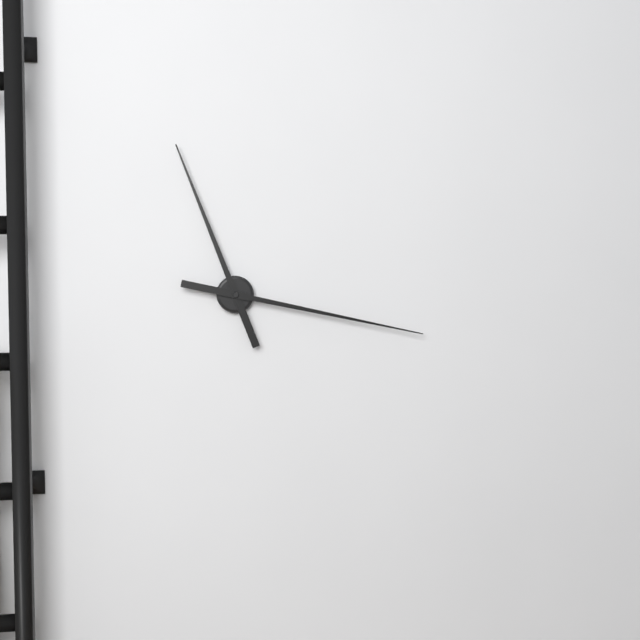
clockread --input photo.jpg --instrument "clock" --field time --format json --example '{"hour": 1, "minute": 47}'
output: {"hour": 11, "minute": 17}
